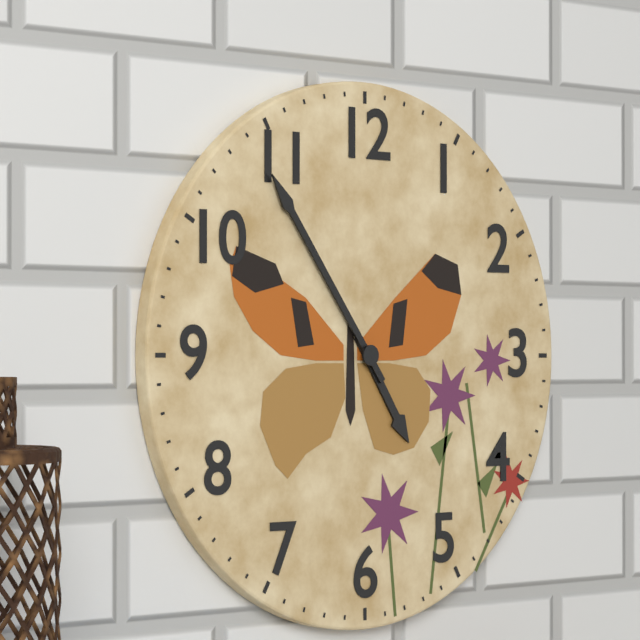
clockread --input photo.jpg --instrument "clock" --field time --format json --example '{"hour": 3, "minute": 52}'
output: {"hour": 4, "minute": 54}
